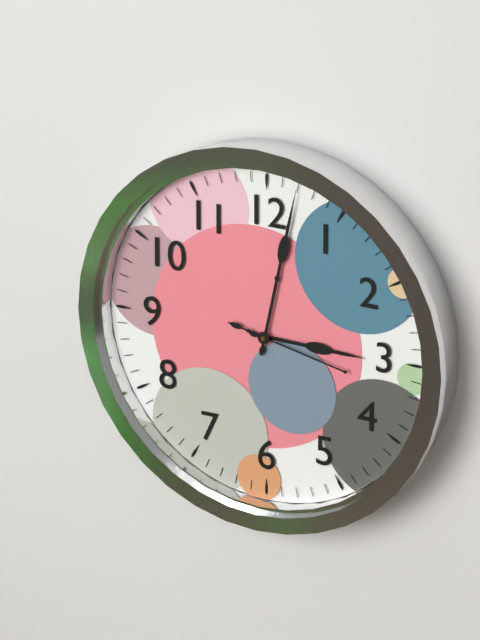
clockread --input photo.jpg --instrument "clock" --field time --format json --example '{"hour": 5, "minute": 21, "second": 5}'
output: {"hour": 3, "minute": 2, "second": 17}
